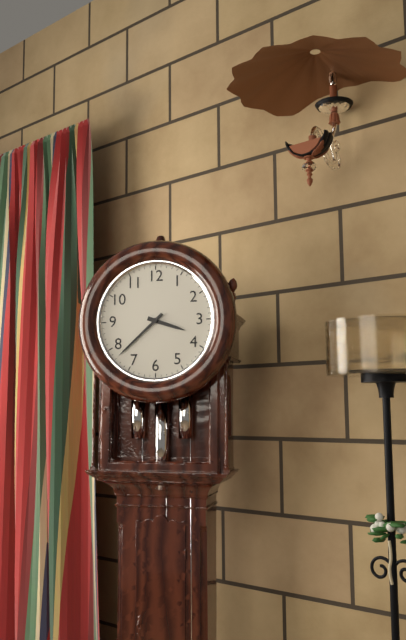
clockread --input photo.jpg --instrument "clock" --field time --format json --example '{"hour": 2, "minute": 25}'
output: {"hour": 3, "minute": 38}
